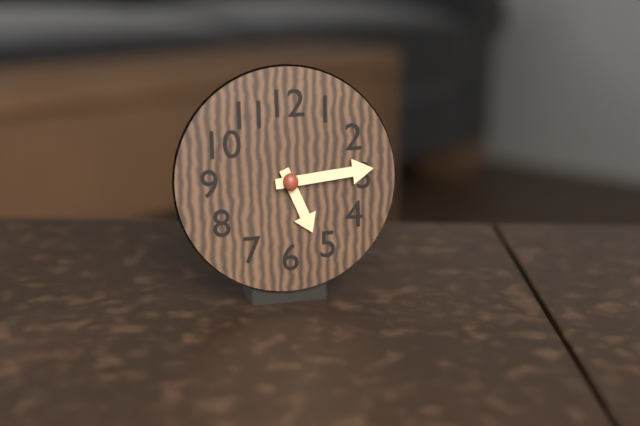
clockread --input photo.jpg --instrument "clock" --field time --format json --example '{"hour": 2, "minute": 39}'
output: {"hour": 5, "minute": 14}
